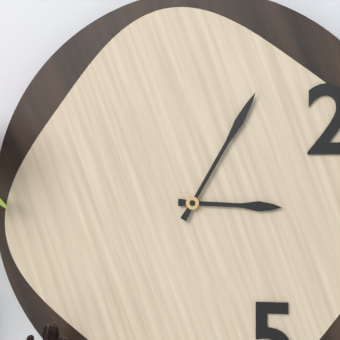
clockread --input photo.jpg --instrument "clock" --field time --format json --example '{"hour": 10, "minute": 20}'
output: {"hour": 3, "minute": 5}
